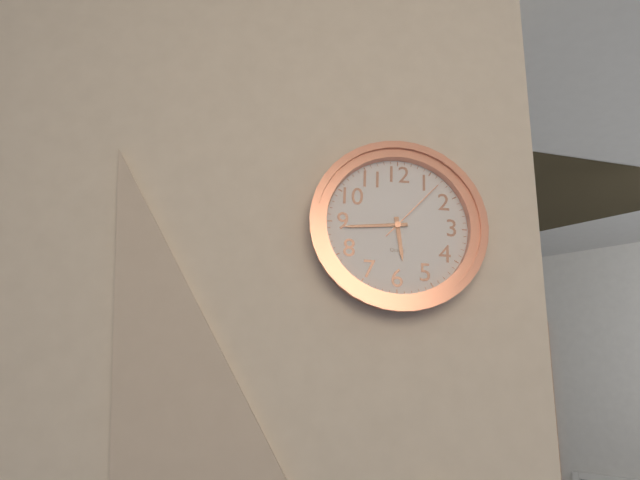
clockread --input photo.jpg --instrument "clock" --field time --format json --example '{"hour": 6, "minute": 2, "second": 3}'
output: {"hour": 5, "minute": 44, "second": 7}
